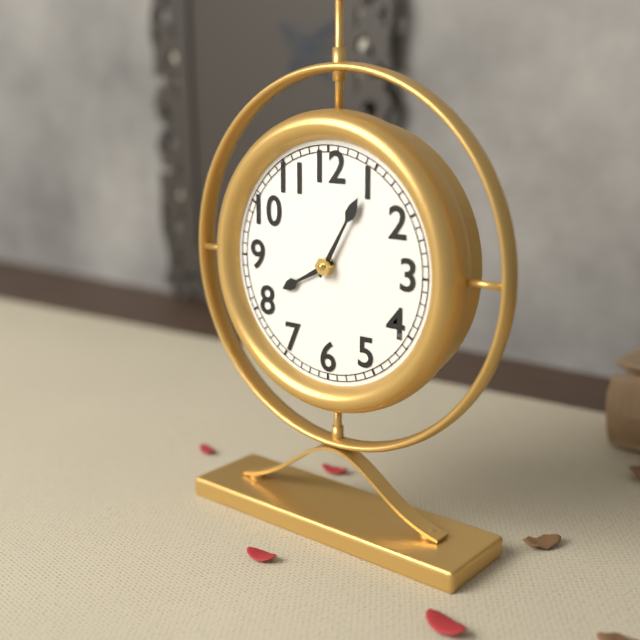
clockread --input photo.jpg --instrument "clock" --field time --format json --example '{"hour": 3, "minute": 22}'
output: {"hour": 8, "minute": 5}
